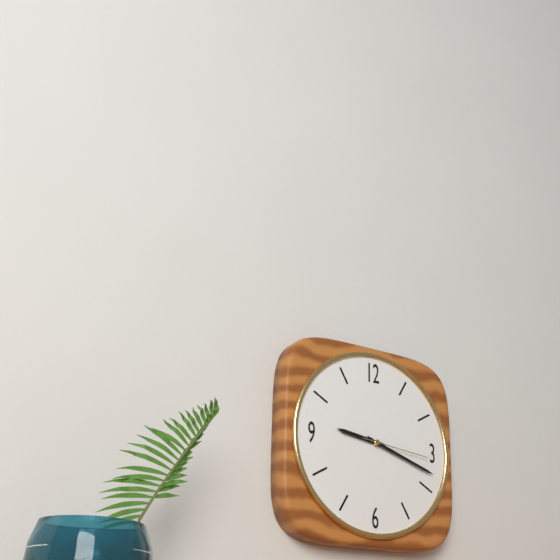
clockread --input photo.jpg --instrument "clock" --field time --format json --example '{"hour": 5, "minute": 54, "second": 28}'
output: {"hour": 9, "minute": 18, "second": 16}
